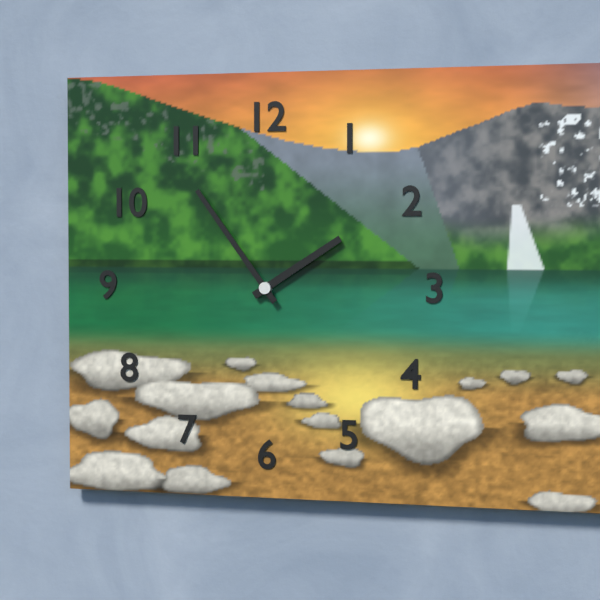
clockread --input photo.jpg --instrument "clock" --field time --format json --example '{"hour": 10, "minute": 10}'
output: {"hour": 1, "minute": 54}
